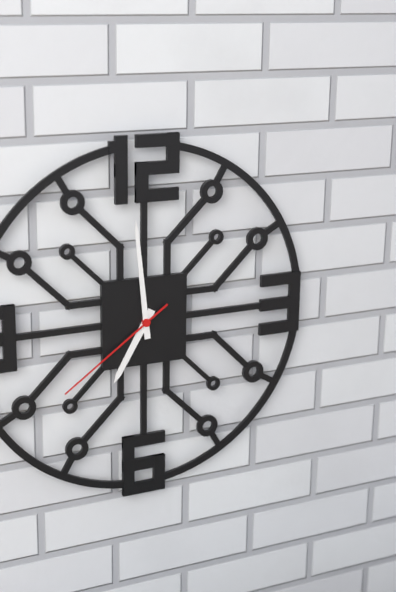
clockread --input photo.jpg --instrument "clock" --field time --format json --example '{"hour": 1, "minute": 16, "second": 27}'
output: {"hour": 6, "minute": 59, "second": 39}
